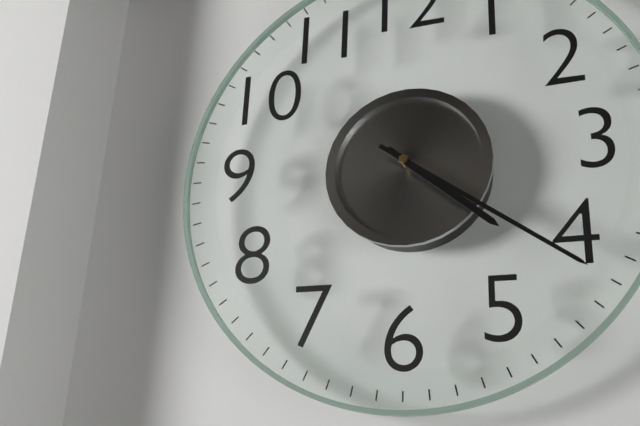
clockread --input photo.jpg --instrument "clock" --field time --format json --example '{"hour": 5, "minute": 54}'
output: {"hour": 4, "minute": 21}
